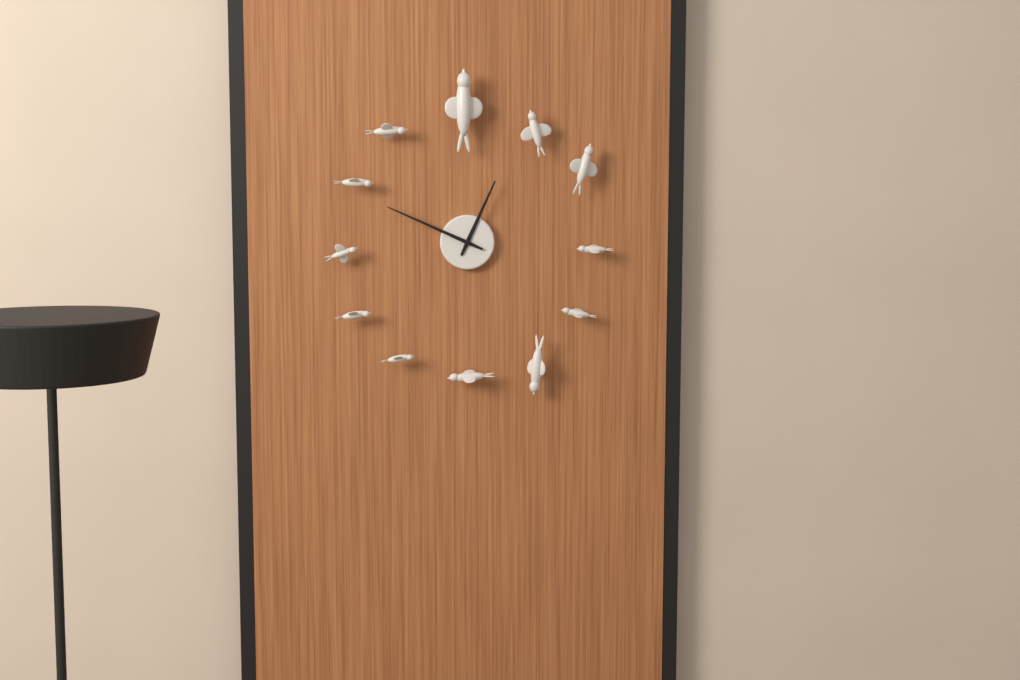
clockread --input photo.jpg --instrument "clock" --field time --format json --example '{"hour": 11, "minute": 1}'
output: {"hour": 12, "minute": 49}
